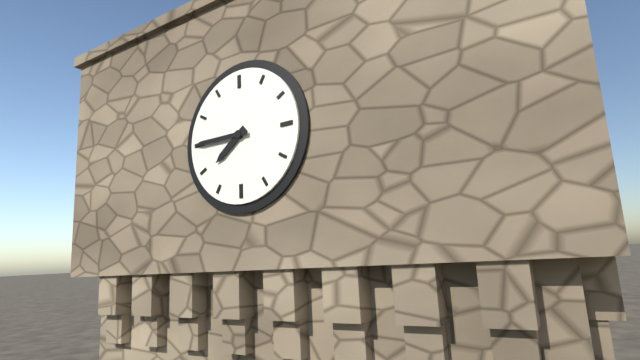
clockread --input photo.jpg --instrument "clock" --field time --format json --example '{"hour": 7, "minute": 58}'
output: {"hour": 7, "minute": 45}
